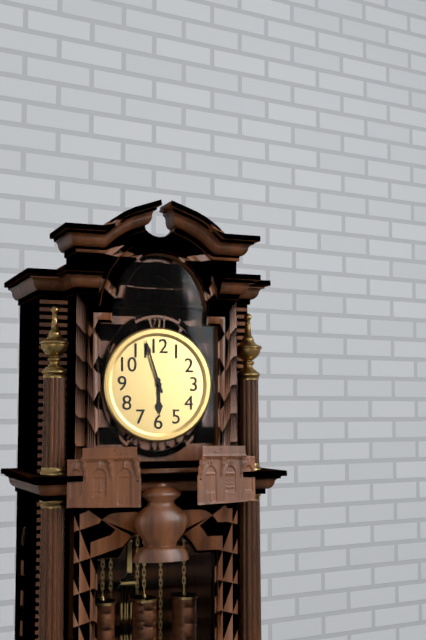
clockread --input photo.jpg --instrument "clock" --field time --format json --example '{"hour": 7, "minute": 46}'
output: {"hour": 5, "minute": 57}
